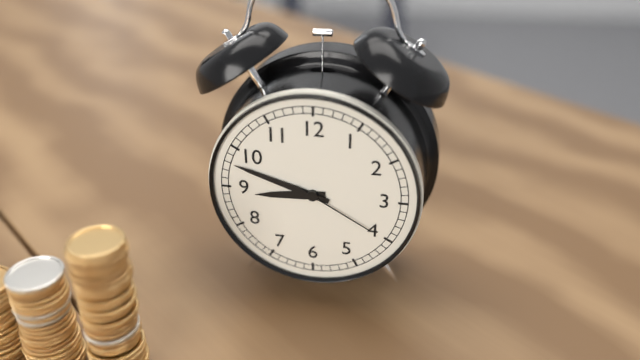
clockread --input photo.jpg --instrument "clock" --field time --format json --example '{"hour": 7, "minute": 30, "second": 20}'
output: {"hour": 8, "minute": 48, "second": 20}
